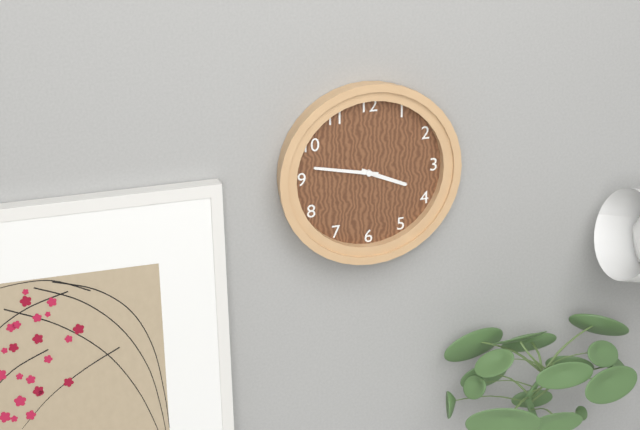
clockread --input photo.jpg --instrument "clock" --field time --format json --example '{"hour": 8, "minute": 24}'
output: {"hour": 3, "minute": 47}
